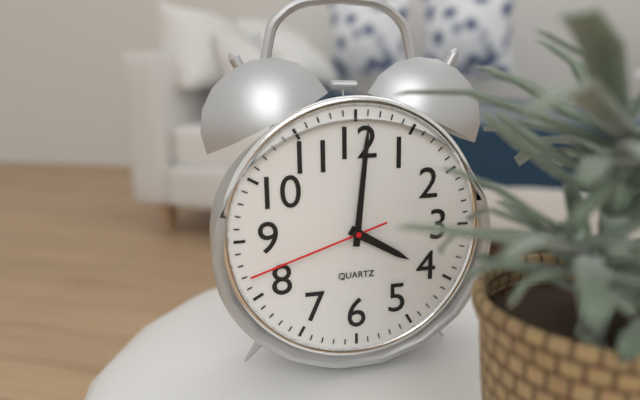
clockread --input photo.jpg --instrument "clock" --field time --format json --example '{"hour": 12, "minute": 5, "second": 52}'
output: {"hour": 4, "minute": 1, "second": 42}
